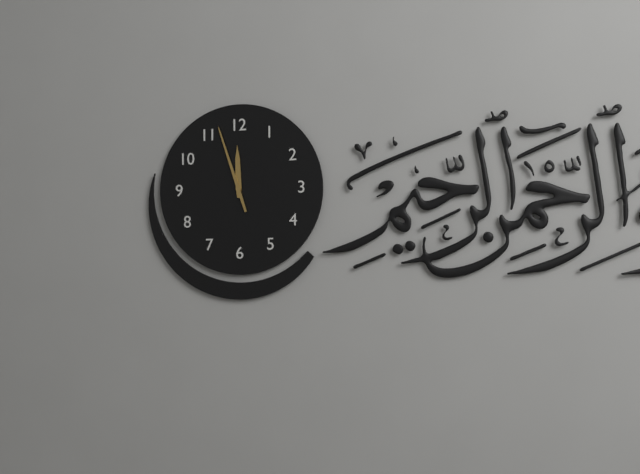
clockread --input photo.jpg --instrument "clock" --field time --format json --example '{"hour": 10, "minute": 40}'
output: {"hour": 11, "minute": 57}
